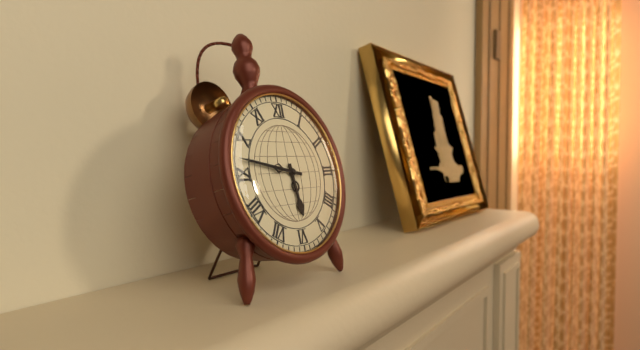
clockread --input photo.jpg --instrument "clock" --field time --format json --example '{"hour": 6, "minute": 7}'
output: {"hour": 5, "minute": 47}
